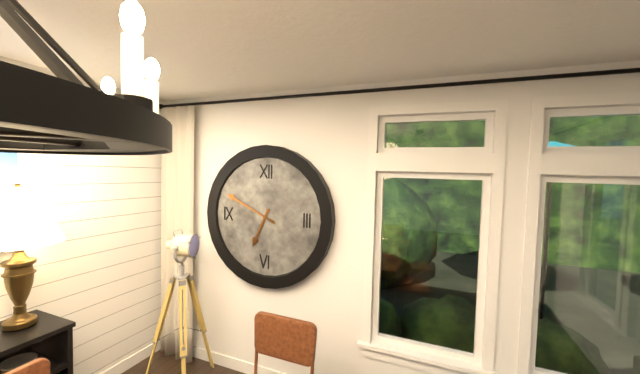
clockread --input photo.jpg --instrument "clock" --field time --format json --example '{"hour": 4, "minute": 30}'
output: {"hour": 6, "minute": 49}
